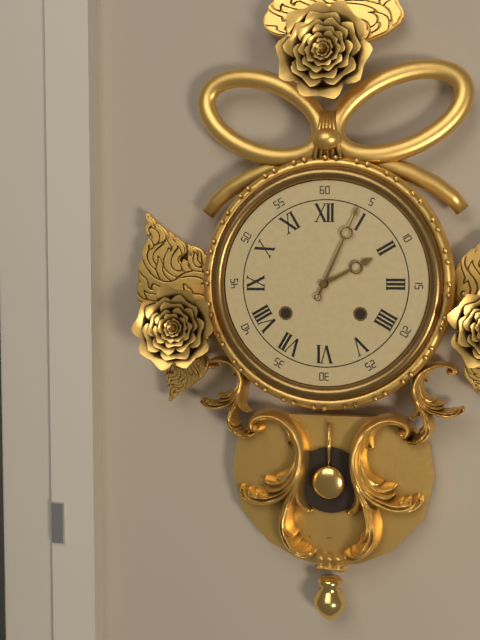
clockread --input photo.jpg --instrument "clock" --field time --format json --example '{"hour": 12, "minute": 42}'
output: {"hour": 2, "minute": 4}
